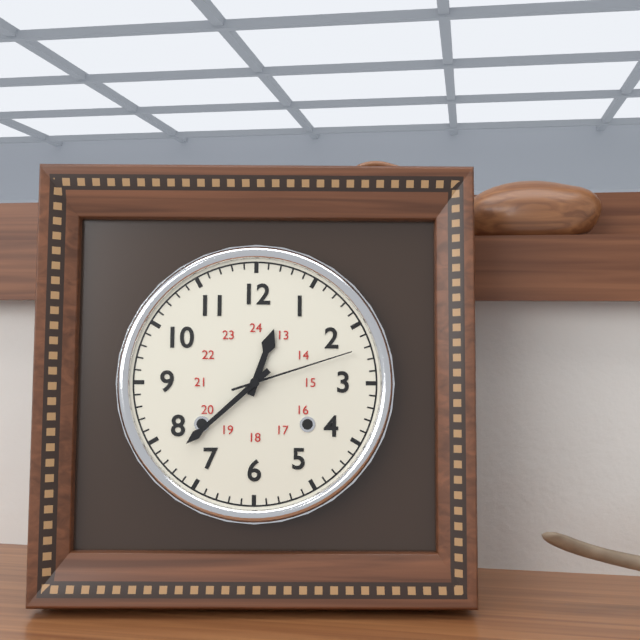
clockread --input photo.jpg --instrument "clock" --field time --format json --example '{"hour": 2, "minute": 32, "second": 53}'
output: {"hour": 12, "minute": 38, "second": 12}
